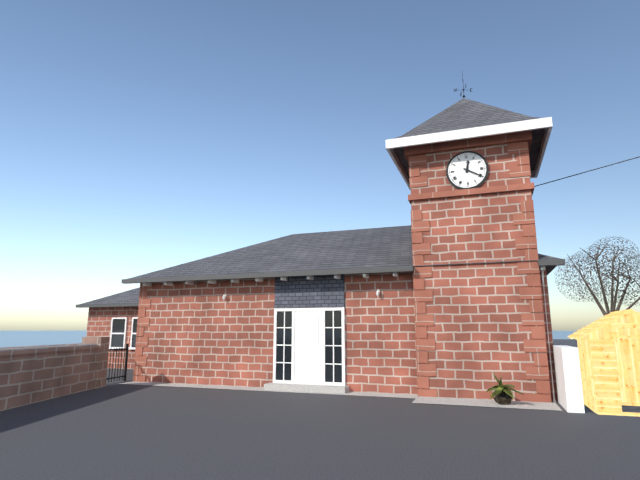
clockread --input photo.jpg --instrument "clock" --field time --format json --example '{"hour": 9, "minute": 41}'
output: {"hour": 12, "minute": 20}
